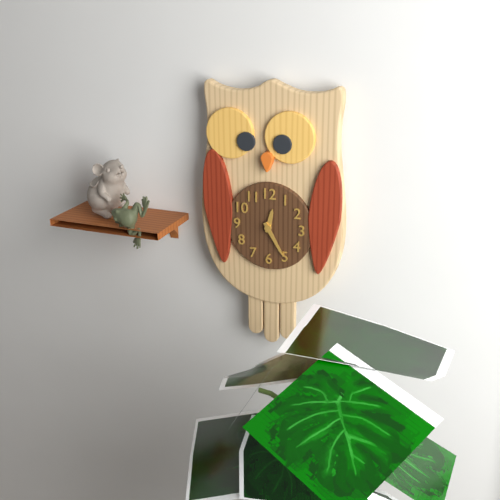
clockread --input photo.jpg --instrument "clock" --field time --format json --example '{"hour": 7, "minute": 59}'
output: {"hour": 12, "minute": 25}
